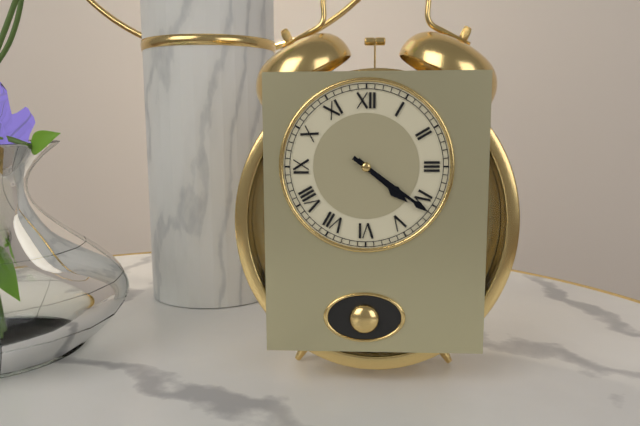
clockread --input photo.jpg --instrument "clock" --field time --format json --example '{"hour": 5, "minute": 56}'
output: {"hour": 4, "minute": 21}
